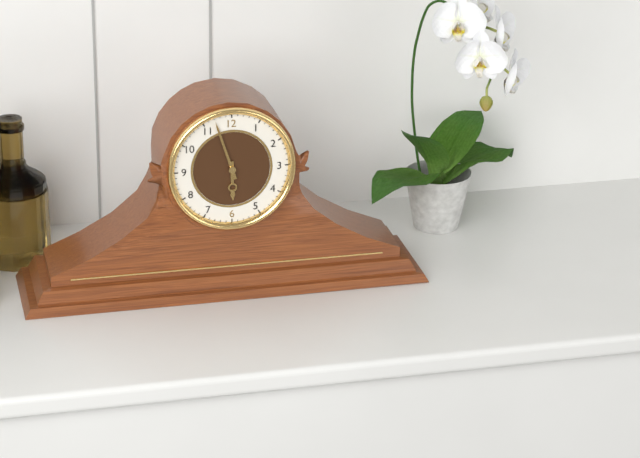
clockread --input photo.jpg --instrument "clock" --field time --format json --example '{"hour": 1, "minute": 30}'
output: {"hour": 5, "minute": 57}
